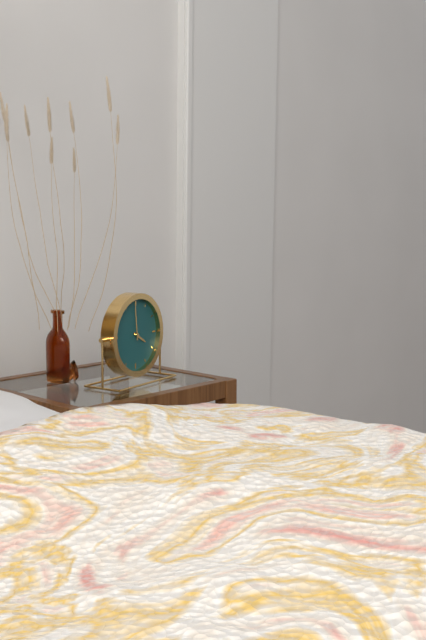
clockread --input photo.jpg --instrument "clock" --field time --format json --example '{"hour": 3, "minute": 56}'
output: {"hour": 3, "minute": 59}
